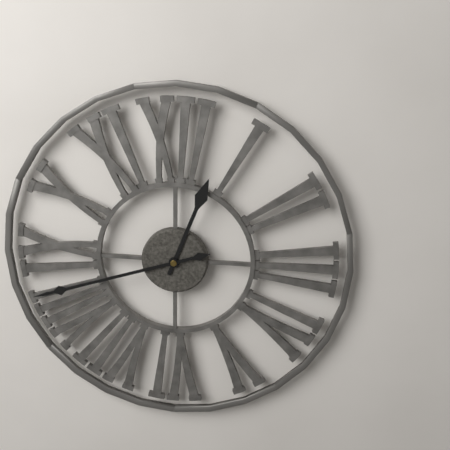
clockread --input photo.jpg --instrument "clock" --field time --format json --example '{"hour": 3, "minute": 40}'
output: {"hour": 12, "minute": 42}
